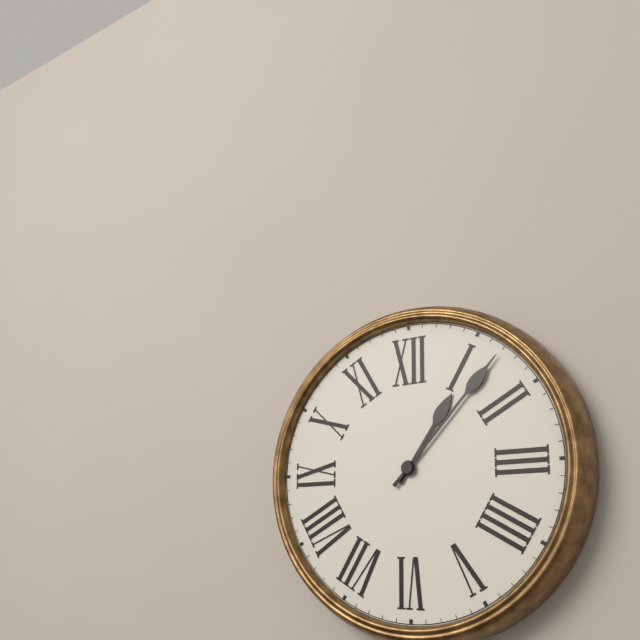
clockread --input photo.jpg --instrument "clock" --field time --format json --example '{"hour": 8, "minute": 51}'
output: {"hour": 1, "minute": 7}
